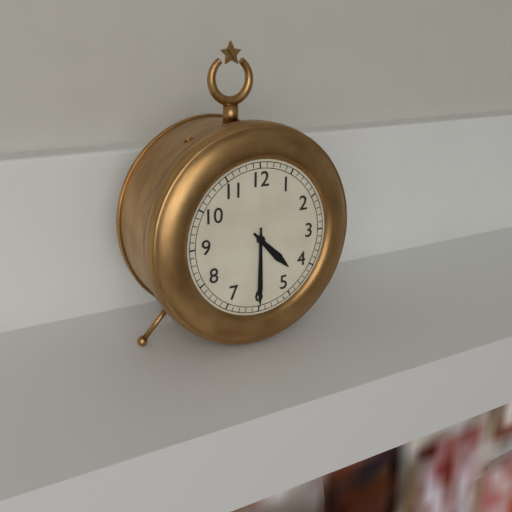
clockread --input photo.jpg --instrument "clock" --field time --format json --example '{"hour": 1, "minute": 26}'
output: {"hour": 4, "minute": 30}
